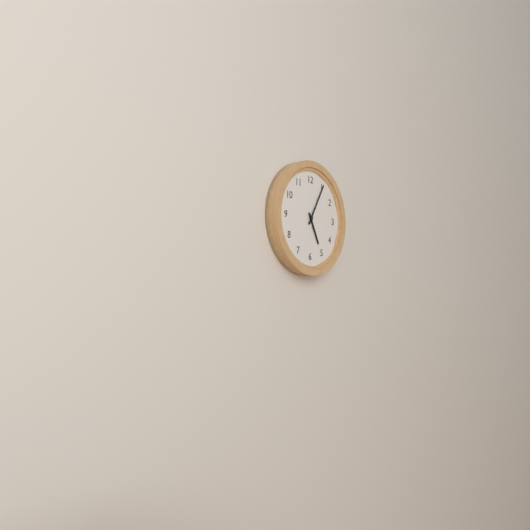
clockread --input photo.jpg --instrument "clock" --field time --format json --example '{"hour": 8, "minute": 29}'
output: {"hour": 5, "minute": 5}
